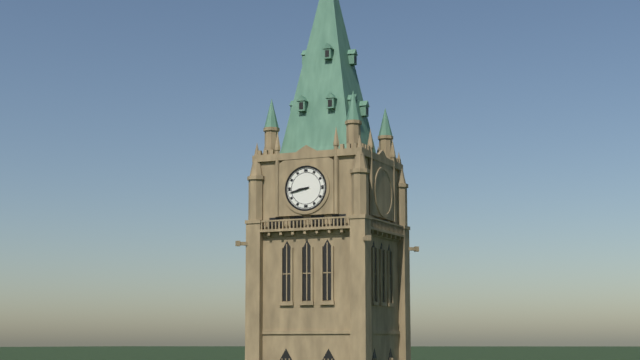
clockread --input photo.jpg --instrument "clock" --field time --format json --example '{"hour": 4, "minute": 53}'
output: {"hour": 8, "minute": 43}
